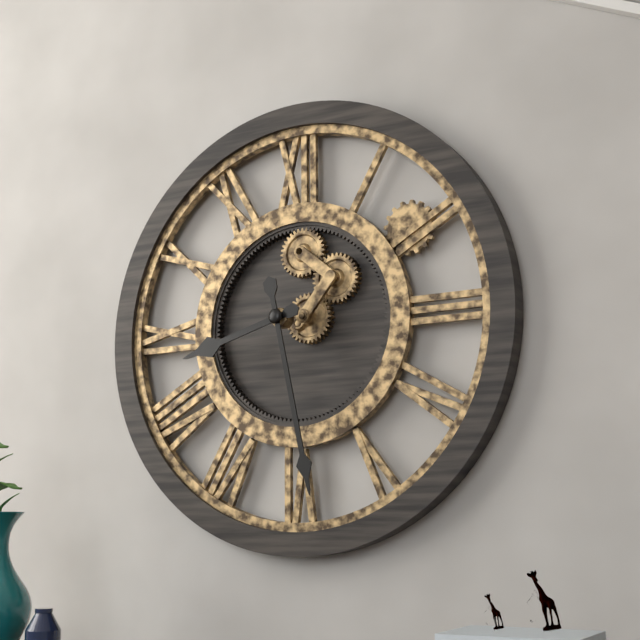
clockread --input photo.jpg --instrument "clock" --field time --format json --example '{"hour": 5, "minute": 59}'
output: {"hour": 8, "minute": 28}
